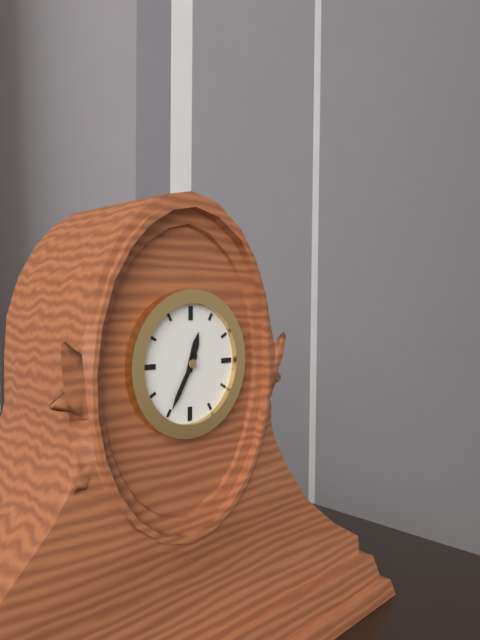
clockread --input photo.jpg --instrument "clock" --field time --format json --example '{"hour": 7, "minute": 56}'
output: {"hour": 12, "minute": 35}
